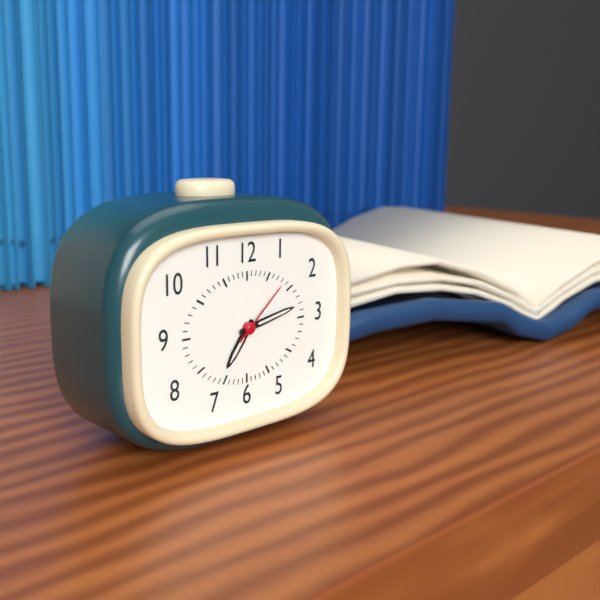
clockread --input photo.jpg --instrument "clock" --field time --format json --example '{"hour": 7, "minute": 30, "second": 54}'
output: {"hour": 7, "minute": 13, "second": 8}
